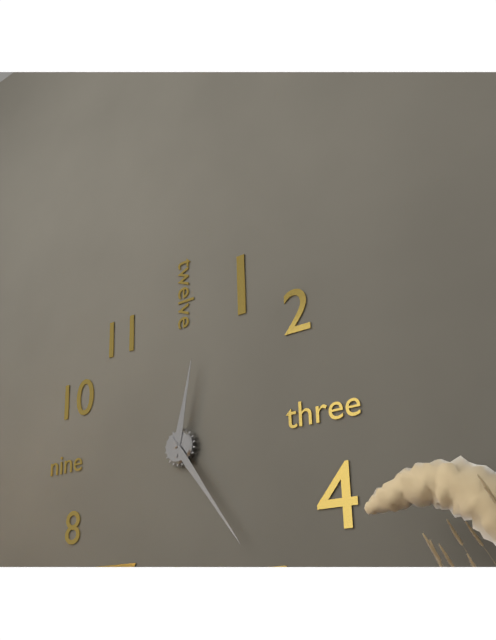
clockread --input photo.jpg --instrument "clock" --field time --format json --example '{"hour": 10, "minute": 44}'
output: {"hour": 12, "minute": 24}
